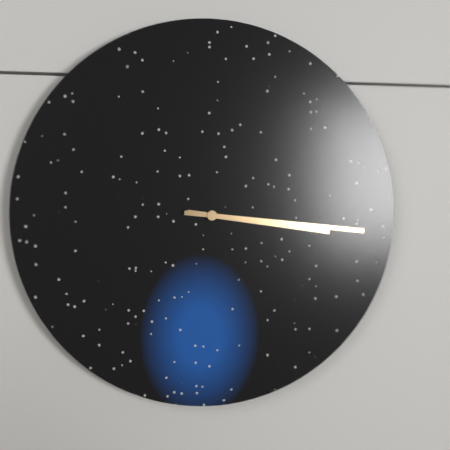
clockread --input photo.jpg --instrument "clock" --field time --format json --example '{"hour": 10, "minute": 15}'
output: {"hour": 3, "minute": 16}
